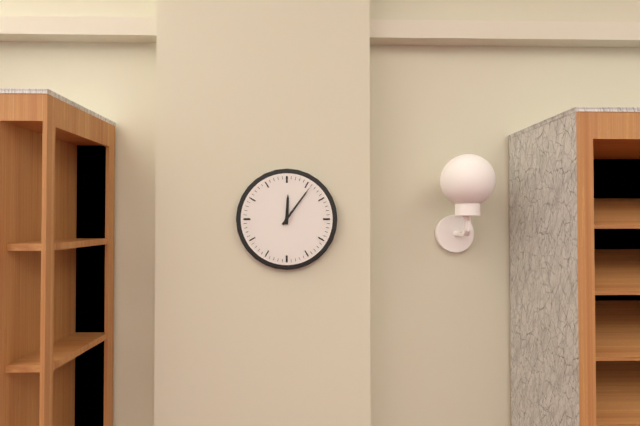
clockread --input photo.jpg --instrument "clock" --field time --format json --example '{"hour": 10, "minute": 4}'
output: {"hour": 12, "minute": 6}
